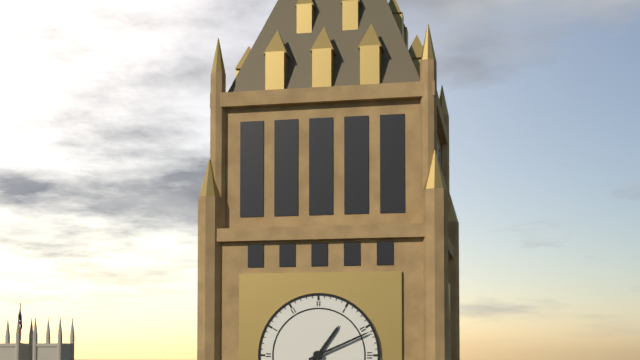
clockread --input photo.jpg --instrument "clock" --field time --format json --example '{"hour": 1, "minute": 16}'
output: {"hour": 1, "minute": 11}
